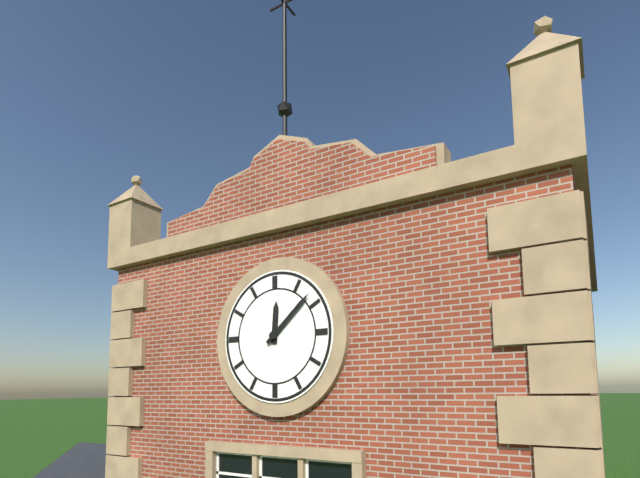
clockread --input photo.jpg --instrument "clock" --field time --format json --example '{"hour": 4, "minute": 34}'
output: {"hour": 12, "minute": 8}
